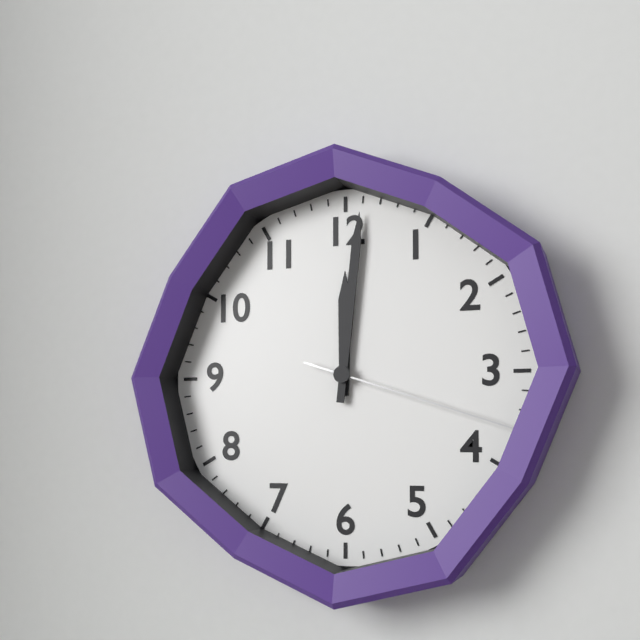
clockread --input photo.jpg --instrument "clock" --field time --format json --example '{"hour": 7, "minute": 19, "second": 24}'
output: {"hour": 12, "minute": 1, "second": 18}
